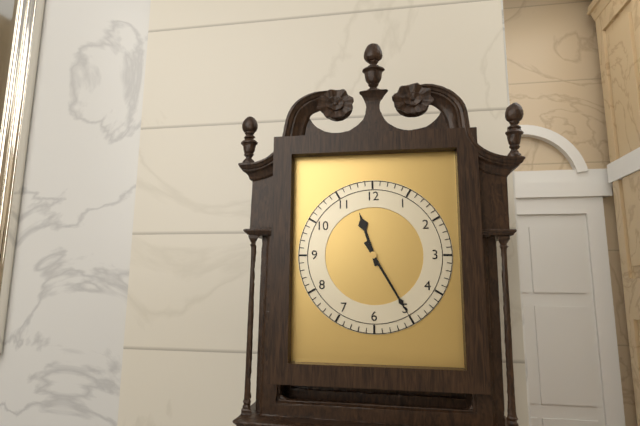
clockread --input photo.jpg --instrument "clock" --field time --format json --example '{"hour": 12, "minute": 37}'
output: {"hour": 11, "minute": 25}
